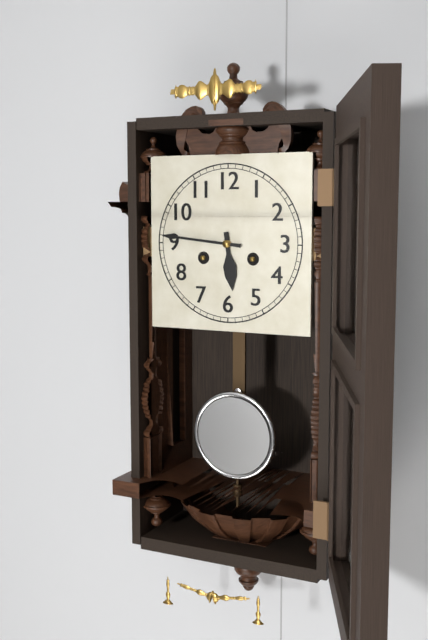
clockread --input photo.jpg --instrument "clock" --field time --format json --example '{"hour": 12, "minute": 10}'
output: {"hour": 5, "minute": 46}
